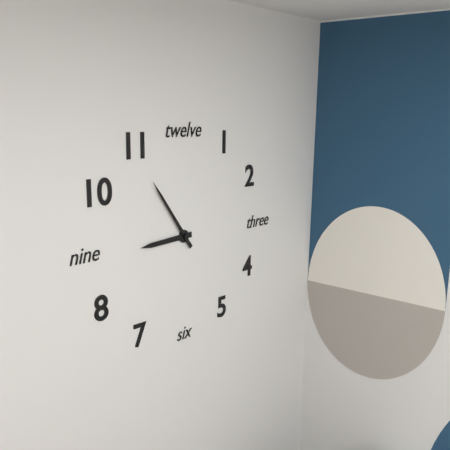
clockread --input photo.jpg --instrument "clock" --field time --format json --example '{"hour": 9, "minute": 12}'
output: {"hour": 8, "minute": 54}
